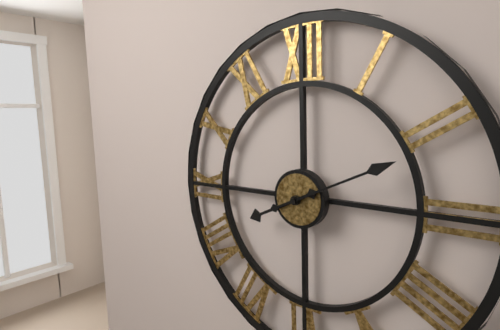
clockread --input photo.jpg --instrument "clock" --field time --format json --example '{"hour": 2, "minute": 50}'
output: {"hour": 8, "minute": 11}
